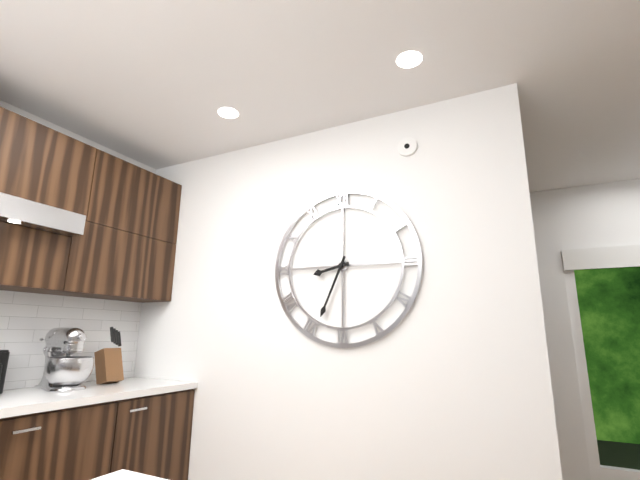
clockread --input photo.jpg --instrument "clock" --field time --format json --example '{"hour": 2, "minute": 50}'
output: {"hour": 8, "minute": 34}
